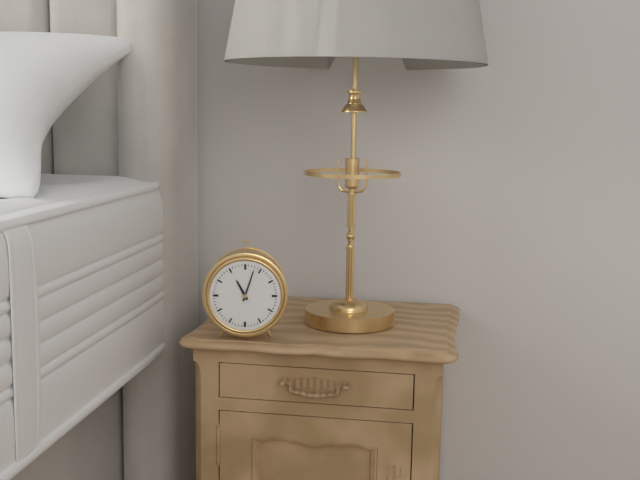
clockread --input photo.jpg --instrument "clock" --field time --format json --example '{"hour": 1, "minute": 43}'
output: {"hour": 11, "minute": 3}
